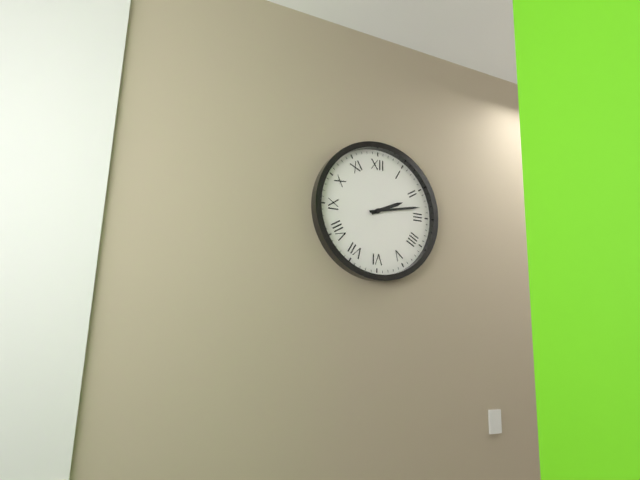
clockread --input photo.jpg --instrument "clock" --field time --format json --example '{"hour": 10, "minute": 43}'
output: {"hour": 2, "minute": 13}
